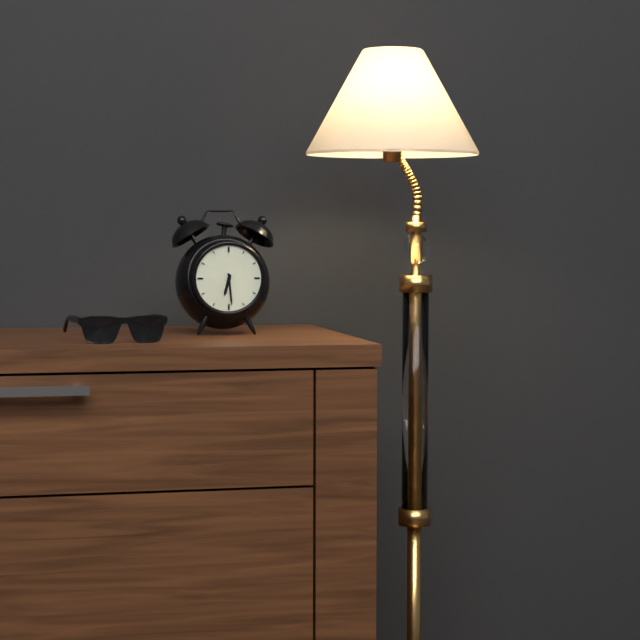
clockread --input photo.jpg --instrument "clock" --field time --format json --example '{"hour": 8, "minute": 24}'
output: {"hour": 6, "minute": 29}
